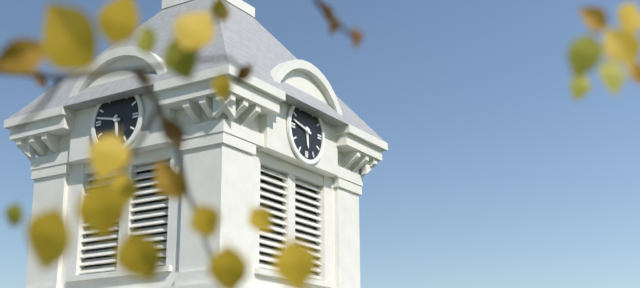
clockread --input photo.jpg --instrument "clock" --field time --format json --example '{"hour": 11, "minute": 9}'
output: {"hour": 5, "minute": 47}
